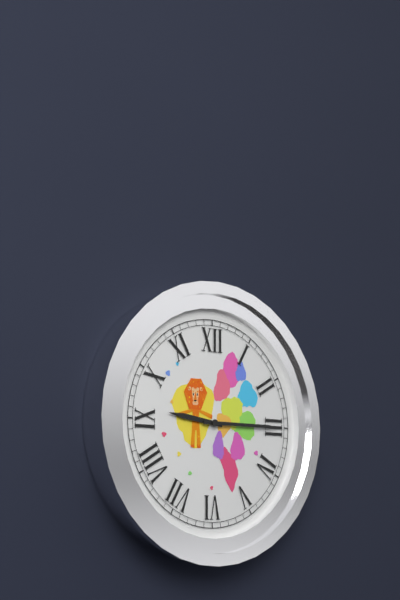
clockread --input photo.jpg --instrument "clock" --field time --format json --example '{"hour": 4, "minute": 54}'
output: {"hour": 9, "minute": 15}
